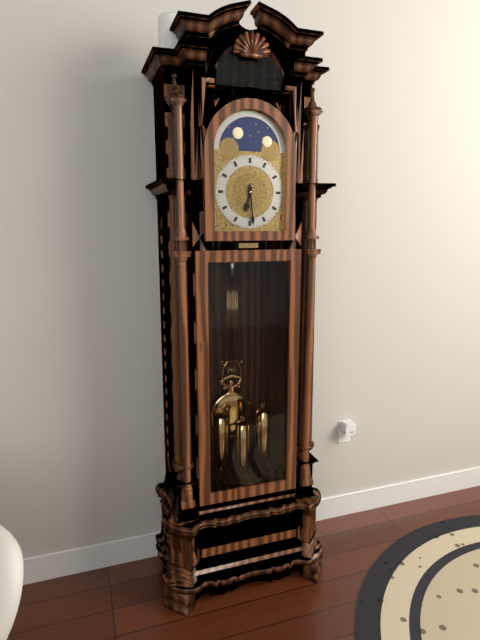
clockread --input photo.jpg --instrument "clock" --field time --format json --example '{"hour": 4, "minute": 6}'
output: {"hour": 6, "minute": 29}
